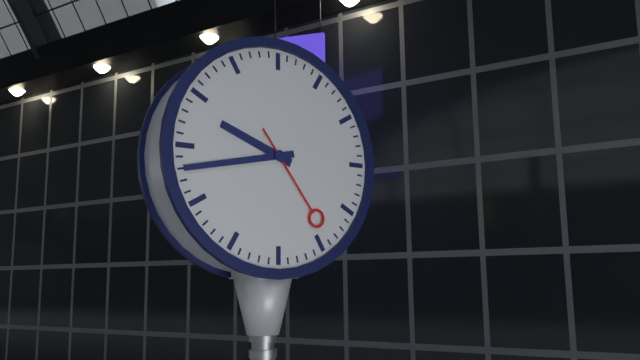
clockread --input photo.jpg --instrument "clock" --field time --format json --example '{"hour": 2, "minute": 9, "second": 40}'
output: {"hour": 9, "minute": 43, "second": 24}
